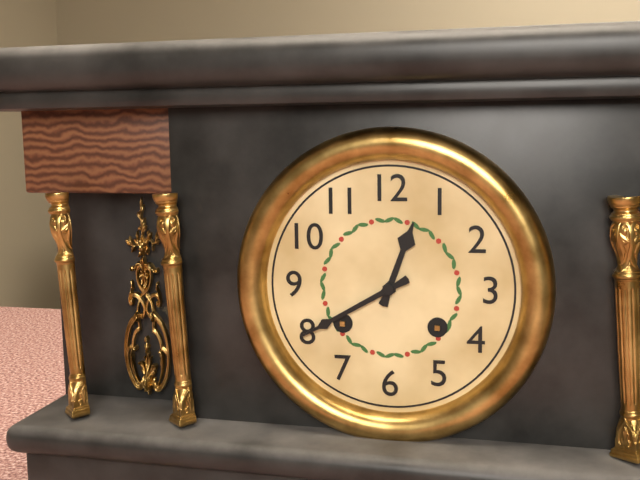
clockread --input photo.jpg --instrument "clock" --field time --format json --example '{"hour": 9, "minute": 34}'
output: {"hour": 12, "minute": 40}
